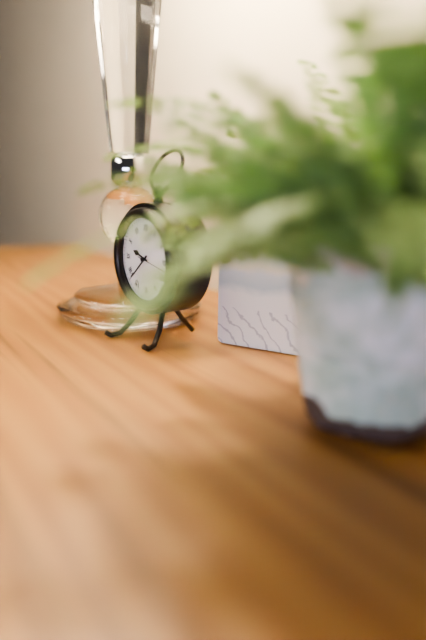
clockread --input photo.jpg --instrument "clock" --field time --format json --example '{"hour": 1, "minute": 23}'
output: {"hour": 9, "minute": 38}
